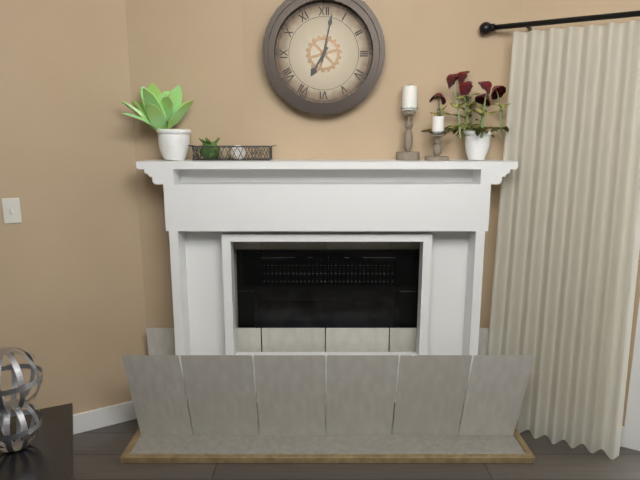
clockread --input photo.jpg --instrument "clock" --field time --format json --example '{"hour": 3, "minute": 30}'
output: {"hour": 7, "minute": 2}
